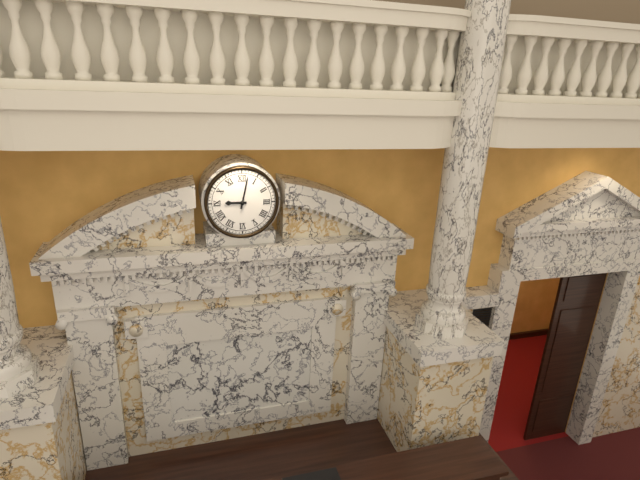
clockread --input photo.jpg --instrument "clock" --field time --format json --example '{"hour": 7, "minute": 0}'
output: {"hour": 9, "minute": 2}
